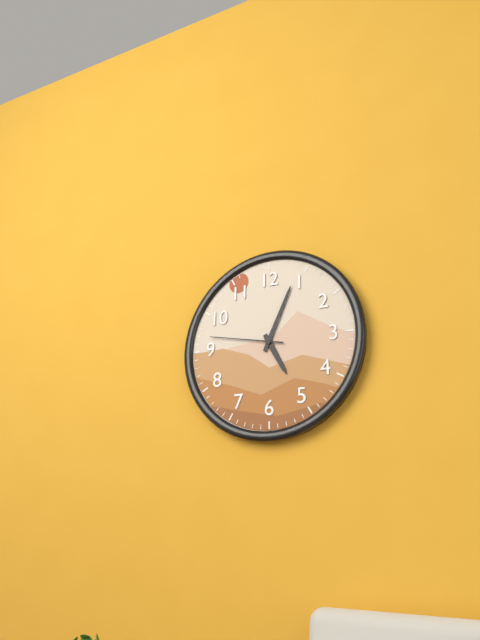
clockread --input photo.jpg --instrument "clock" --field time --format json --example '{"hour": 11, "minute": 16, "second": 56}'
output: {"hour": 5, "minute": 4, "second": 47}
